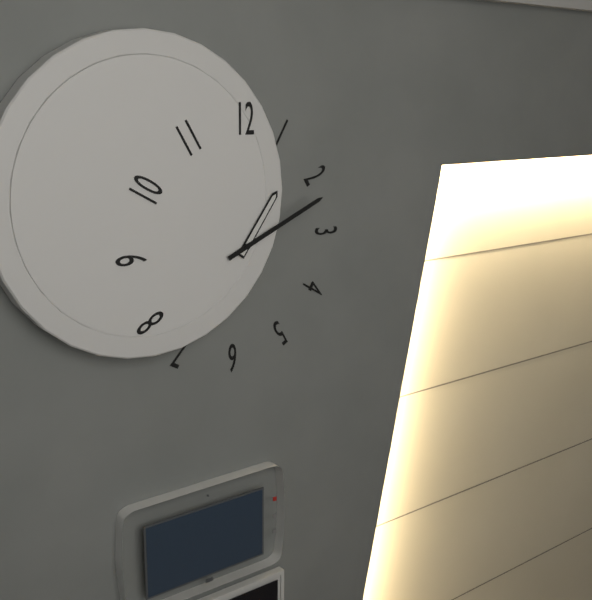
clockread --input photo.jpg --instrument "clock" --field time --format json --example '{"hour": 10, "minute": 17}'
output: {"hour": 1, "minute": 11}
